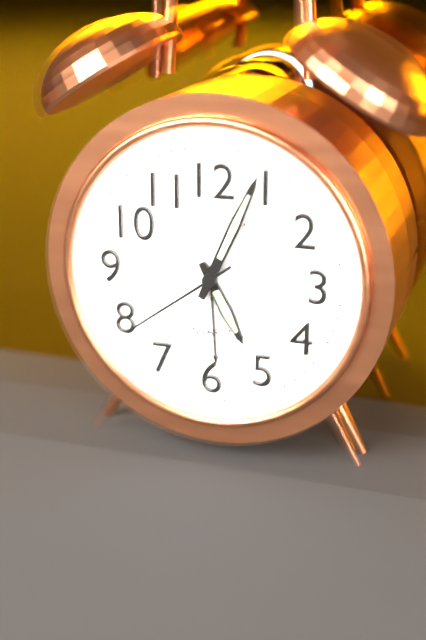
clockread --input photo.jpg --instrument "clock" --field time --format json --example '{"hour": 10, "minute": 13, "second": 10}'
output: {"hour": 5, "minute": 4, "second": 39}
